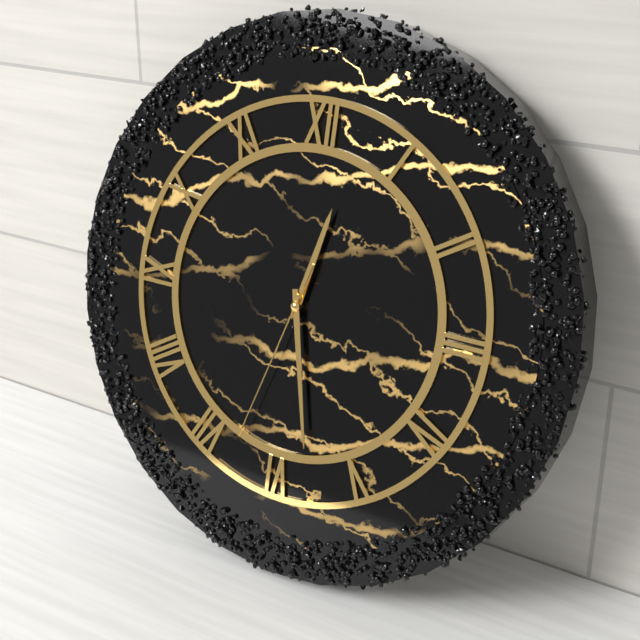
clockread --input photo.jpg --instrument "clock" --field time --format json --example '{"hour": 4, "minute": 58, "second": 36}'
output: {"hour": 12, "minute": 28, "second": 33}
